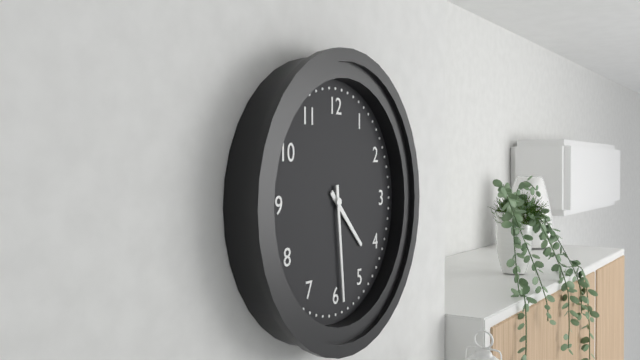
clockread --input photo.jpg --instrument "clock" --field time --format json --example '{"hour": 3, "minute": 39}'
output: {"hour": 4, "minute": 29}
